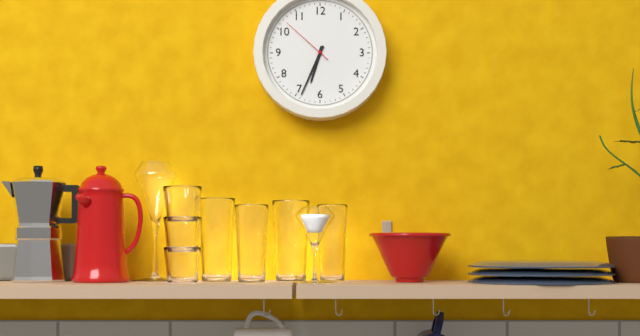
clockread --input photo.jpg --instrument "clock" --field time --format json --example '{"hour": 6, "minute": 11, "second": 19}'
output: {"hour": 6, "minute": 34, "second": 52}
